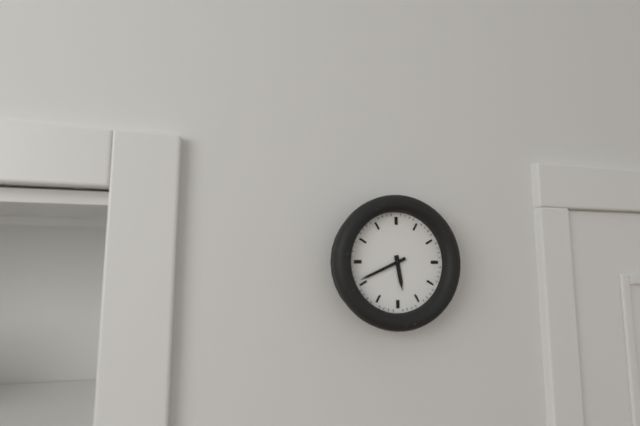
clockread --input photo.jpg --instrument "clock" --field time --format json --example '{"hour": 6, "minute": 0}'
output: {"hour": 5, "minute": 41}
